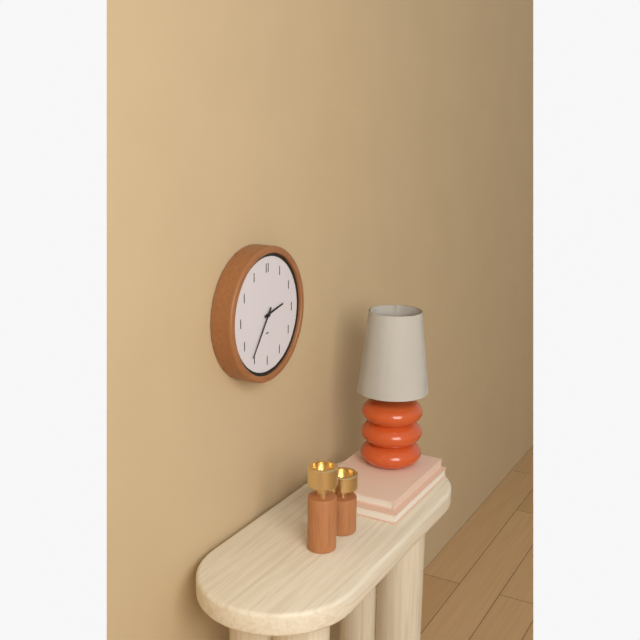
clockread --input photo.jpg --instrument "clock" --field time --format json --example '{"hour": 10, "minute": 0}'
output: {"hour": 2, "minute": 36}
